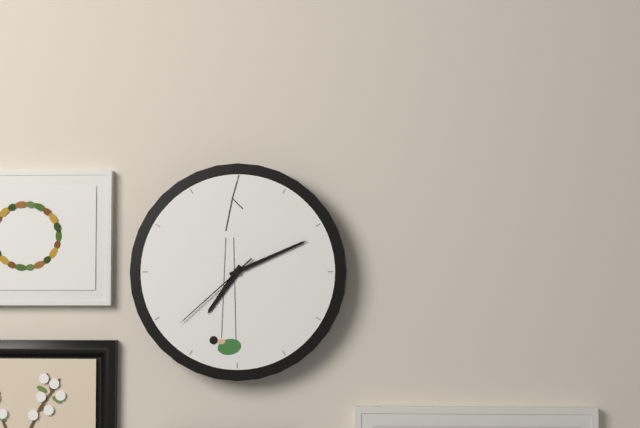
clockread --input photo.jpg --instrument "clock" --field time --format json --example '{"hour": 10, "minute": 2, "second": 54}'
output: {"hour": 7, "minute": 11, "second": 38}
